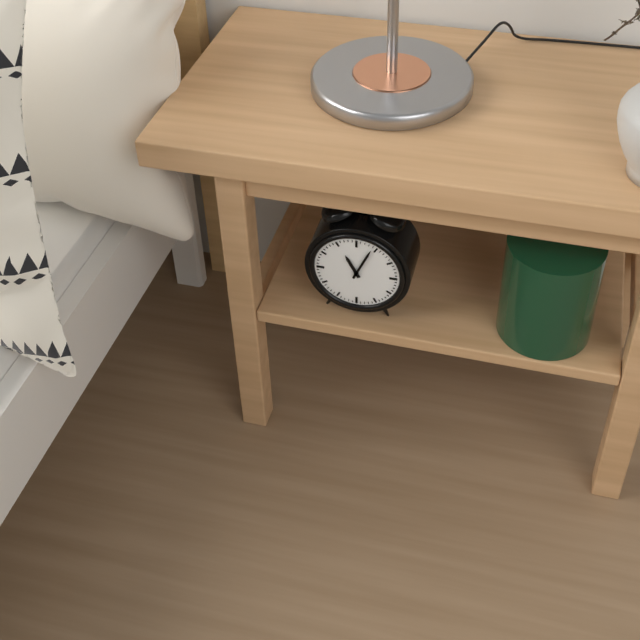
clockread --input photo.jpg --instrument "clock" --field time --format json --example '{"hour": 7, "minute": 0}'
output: {"hour": 11, "minute": 4}
